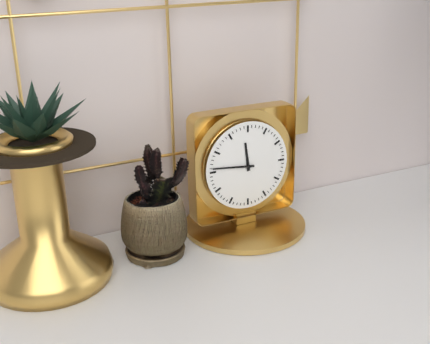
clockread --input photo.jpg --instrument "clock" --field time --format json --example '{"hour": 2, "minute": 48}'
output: {"hour": 11, "minute": 46}
